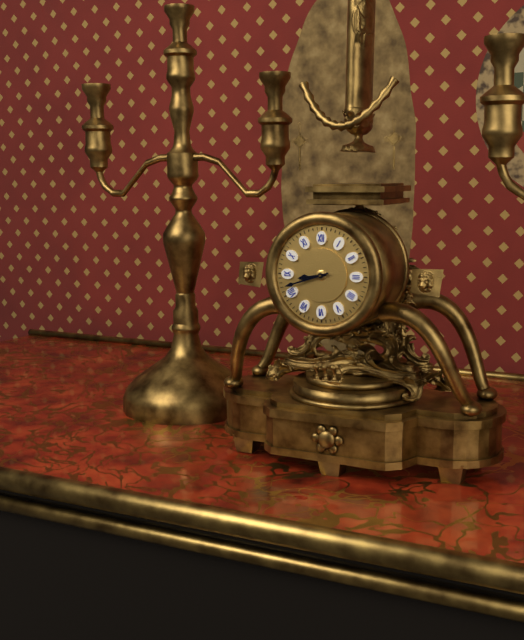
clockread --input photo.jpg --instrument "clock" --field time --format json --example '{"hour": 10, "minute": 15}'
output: {"hour": 8, "minute": 42}
